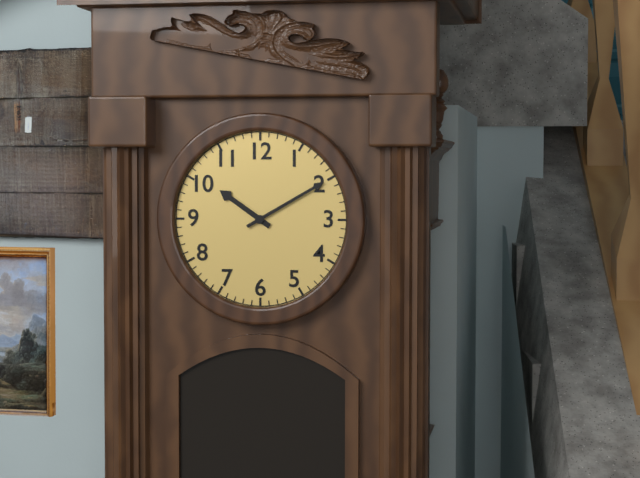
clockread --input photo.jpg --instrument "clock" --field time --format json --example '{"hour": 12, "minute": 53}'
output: {"hour": 10, "minute": 10}
